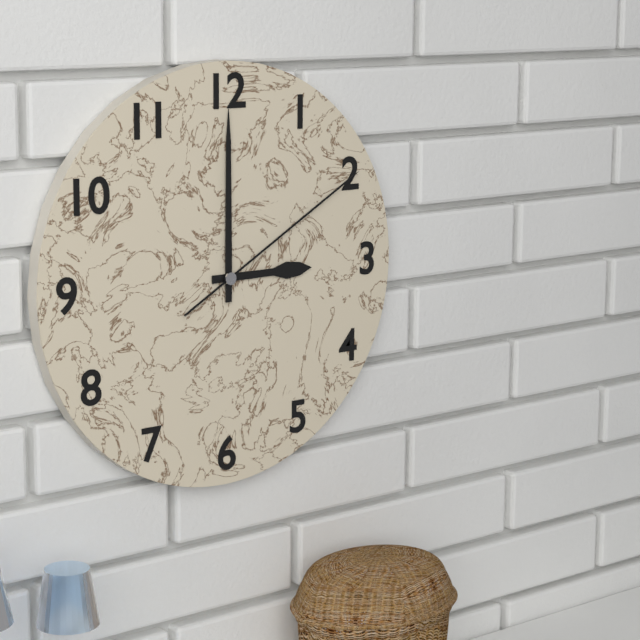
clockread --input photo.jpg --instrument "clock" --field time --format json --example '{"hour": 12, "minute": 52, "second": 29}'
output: {"hour": 3, "minute": 0, "second": 10}
